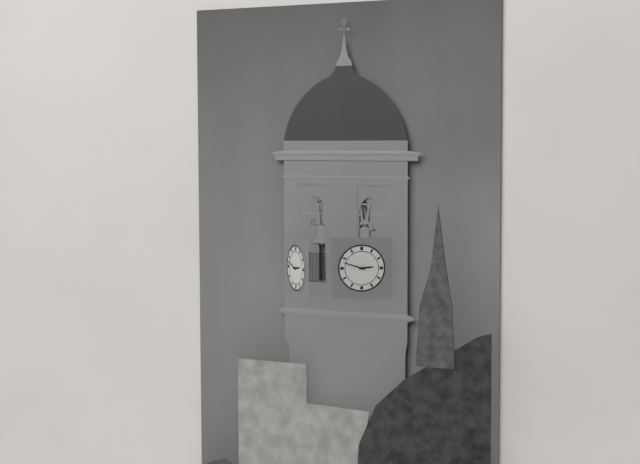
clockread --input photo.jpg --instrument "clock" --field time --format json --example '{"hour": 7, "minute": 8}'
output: {"hour": 2, "minute": 48}
